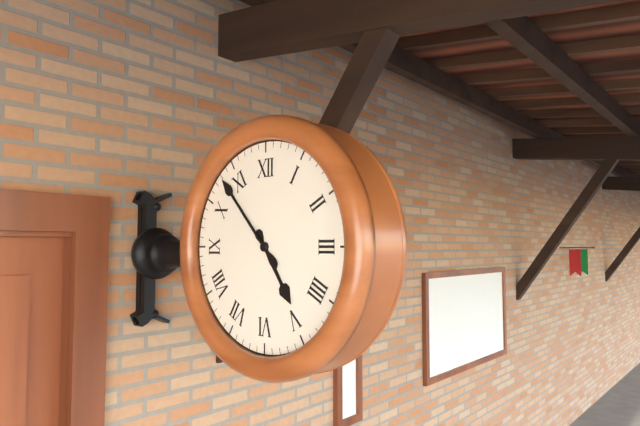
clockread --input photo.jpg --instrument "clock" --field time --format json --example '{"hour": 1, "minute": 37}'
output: {"hour": 4, "minute": 53}
